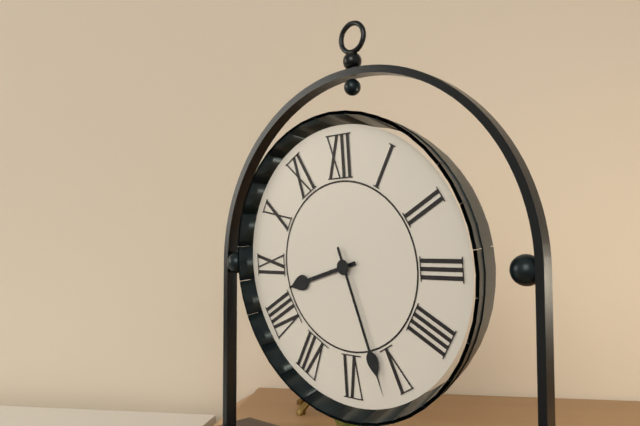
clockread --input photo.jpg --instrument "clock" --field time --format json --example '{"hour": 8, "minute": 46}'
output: {"hour": 8, "minute": 27}
